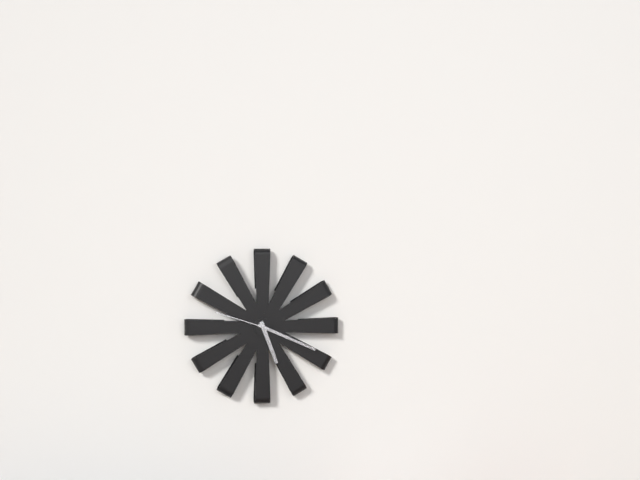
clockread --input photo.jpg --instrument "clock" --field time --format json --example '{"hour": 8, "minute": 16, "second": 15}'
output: {"hour": 5, "minute": 19, "second": 48}
